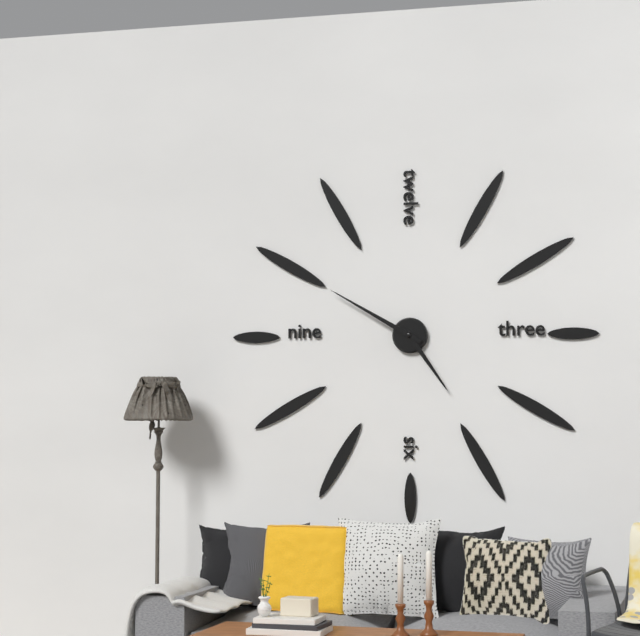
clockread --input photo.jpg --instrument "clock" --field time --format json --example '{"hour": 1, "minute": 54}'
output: {"hour": 4, "minute": 50}
